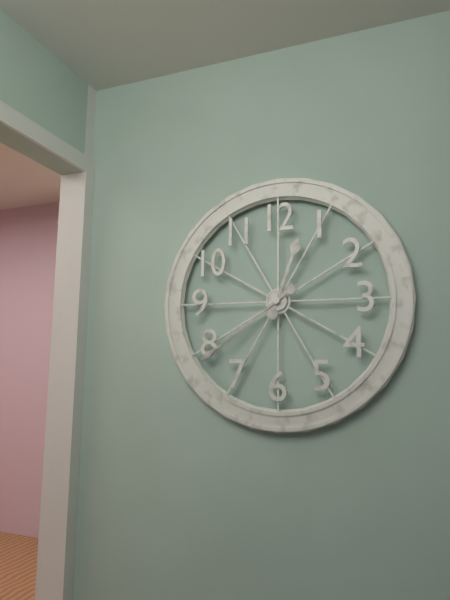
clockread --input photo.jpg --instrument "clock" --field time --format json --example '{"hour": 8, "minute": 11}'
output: {"hour": 12, "minute": 39}
